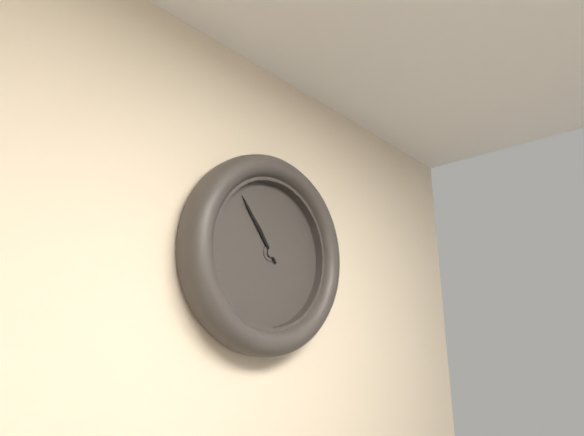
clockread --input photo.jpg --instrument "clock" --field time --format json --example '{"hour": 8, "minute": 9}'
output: {"hour": 10, "minute": 54}
